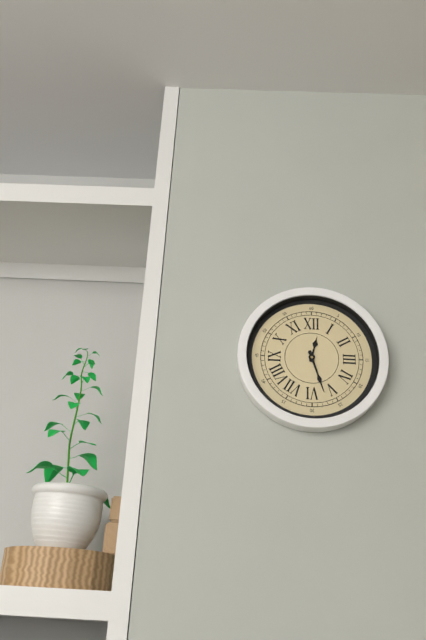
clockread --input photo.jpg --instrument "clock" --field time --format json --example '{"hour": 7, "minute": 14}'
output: {"hour": 12, "minute": 27}
